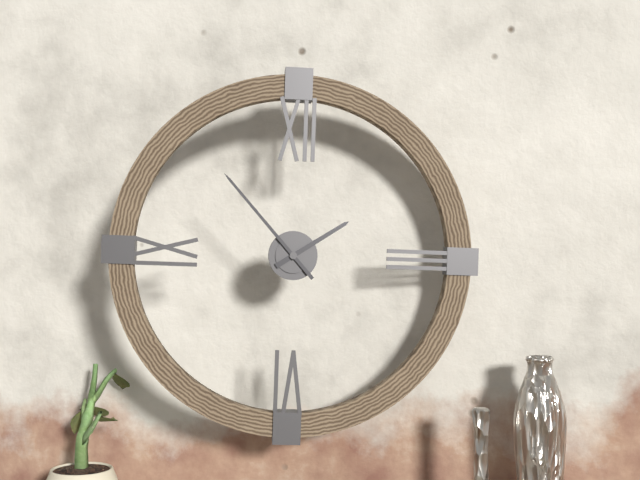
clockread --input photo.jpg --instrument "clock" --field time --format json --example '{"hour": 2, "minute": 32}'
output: {"hour": 1, "minute": 53}
